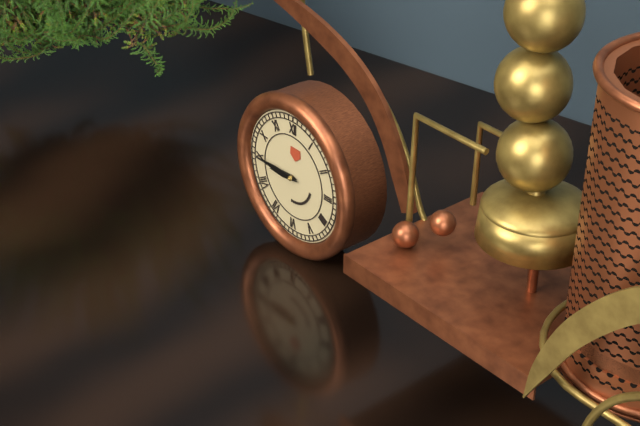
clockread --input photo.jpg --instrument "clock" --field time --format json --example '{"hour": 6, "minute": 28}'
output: {"hour": 8, "minute": 45}
